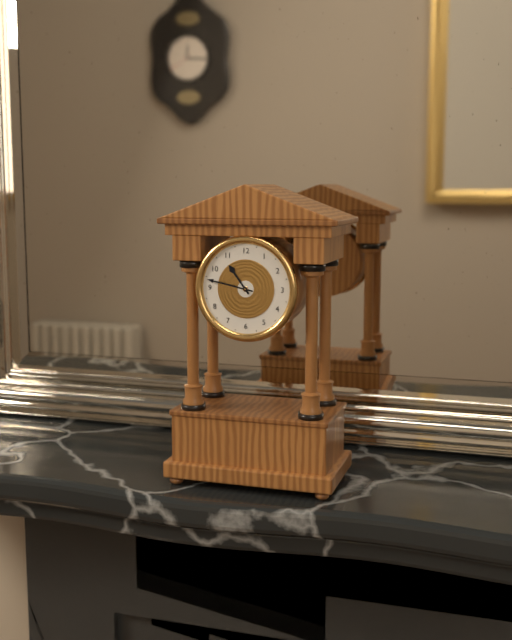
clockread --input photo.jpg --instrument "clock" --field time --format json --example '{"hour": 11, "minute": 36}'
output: {"hour": 10, "minute": 47}
